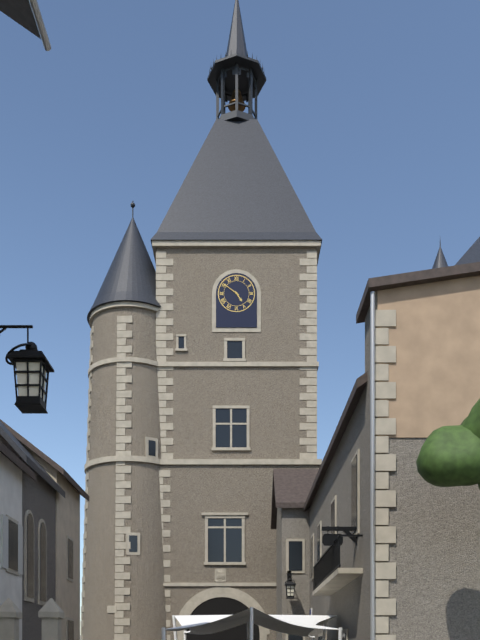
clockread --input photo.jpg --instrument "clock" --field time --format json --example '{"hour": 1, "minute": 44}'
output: {"hour": 4, "minute": 51}
